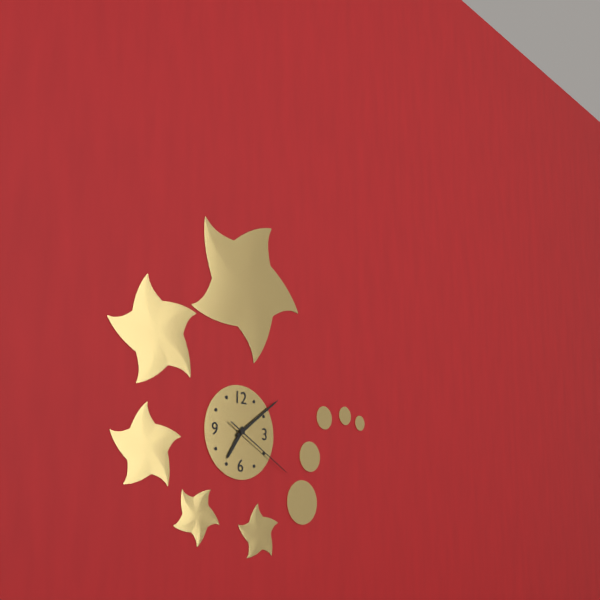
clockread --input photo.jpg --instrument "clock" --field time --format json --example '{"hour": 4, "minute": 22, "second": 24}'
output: {"hour": 7, "minute": 9, "second": 20}
